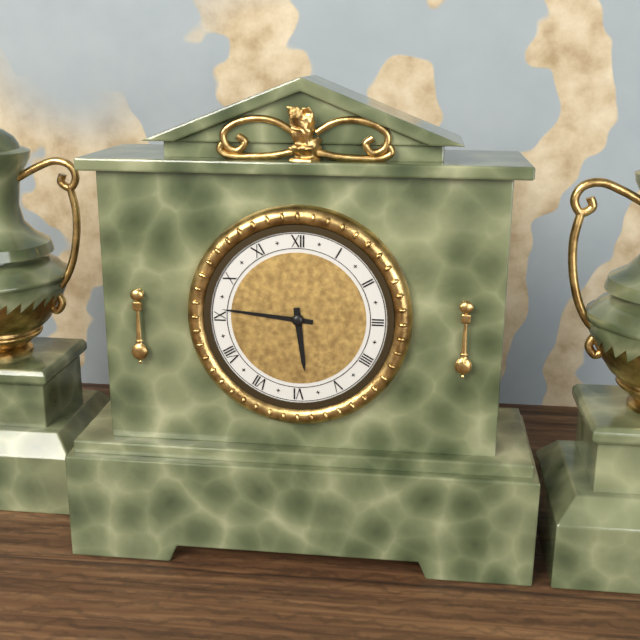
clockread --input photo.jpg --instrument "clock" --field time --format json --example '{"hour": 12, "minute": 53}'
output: {"hour": 5, "minute": 46}
